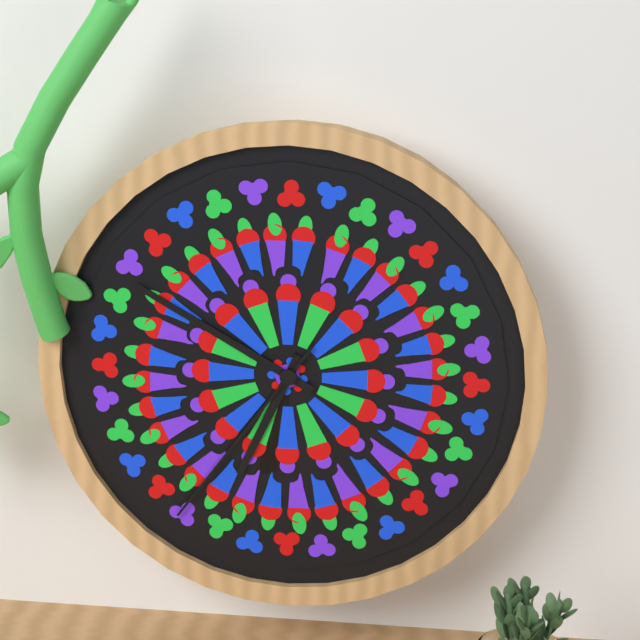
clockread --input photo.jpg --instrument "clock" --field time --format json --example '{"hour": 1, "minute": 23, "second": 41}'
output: {"hour": 6, "minute": 50, "second": 36}
